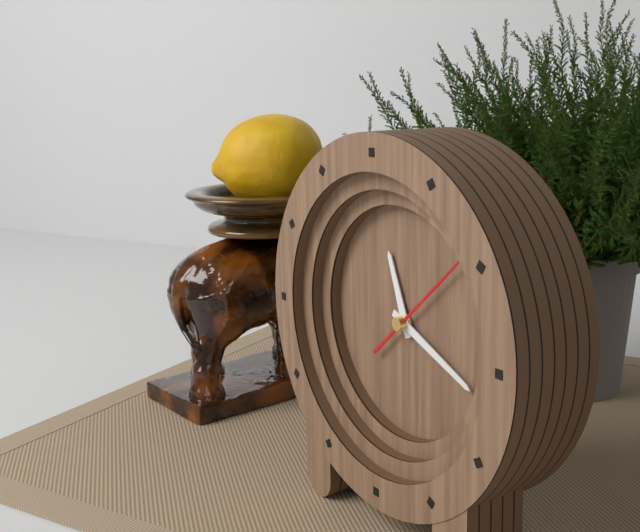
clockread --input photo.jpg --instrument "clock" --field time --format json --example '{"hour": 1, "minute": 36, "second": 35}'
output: {"hour": 11, "minute": 19, "second": 8}
